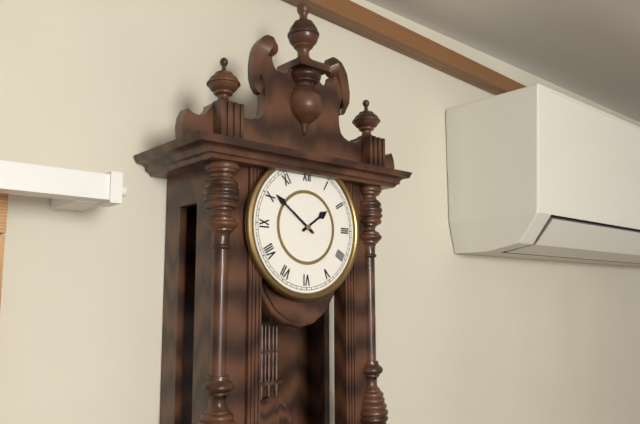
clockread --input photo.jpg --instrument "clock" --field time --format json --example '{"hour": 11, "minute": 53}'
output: {"hour": 1, "minute": 51}
